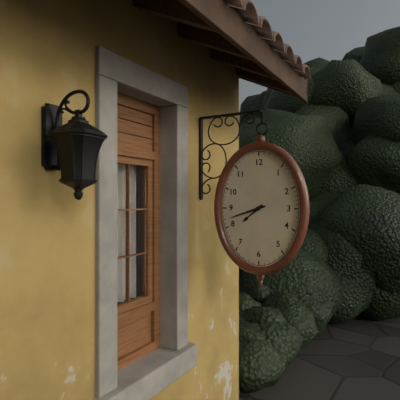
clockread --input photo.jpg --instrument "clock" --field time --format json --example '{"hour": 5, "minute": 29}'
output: {"hour": 7, "minute": 42}
